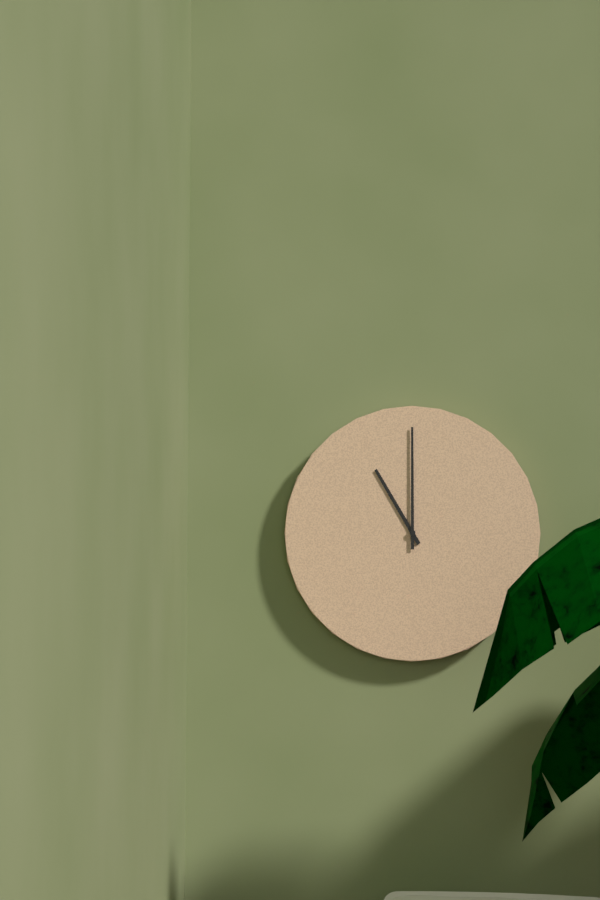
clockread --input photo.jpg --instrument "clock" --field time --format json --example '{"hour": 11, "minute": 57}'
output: {"hour": 11, "minute": 0}
